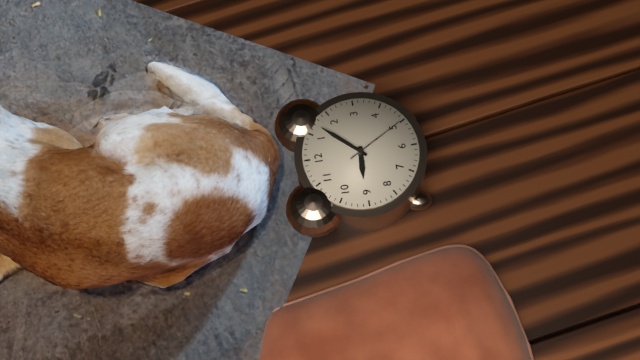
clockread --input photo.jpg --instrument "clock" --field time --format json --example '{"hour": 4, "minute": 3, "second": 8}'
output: {"hour": 9, "minute": 7, "second": 25}
